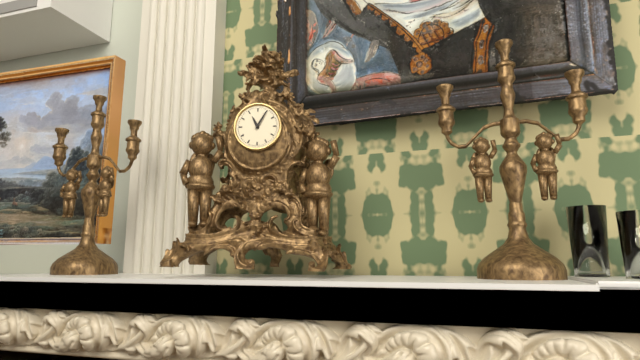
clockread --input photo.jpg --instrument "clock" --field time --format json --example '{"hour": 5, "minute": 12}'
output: {"hour": 11, "minute": 5}
